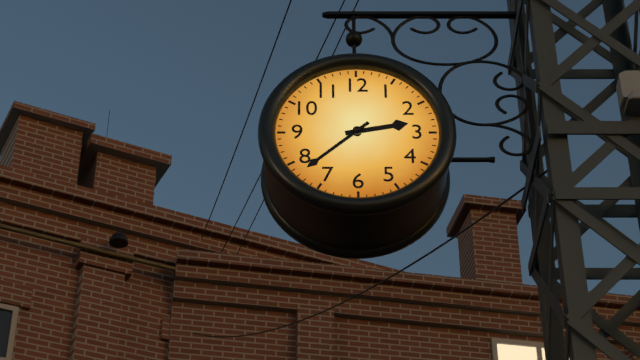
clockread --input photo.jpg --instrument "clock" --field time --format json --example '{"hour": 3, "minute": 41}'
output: {"hour": 2, "minute": 38}
